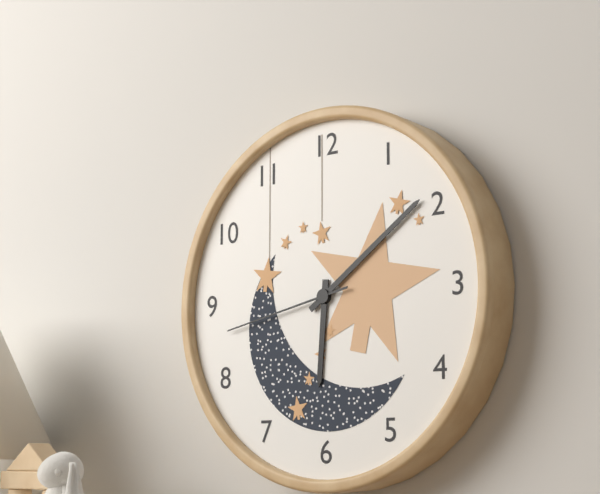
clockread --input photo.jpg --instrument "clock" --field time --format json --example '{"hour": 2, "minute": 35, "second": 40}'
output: {"hour": 6, "minute": 9, "second": 43}
